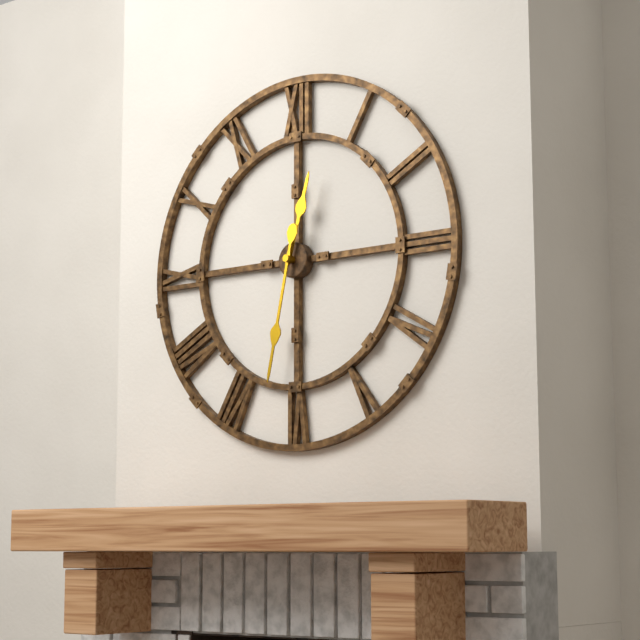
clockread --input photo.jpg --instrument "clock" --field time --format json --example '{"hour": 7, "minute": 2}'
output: {"hour": 12, "minute": 32}
